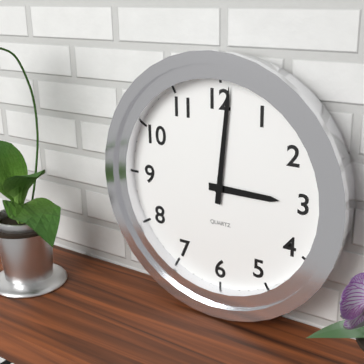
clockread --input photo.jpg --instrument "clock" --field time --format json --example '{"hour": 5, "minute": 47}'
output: {"hour": 3, "minute": 1}
